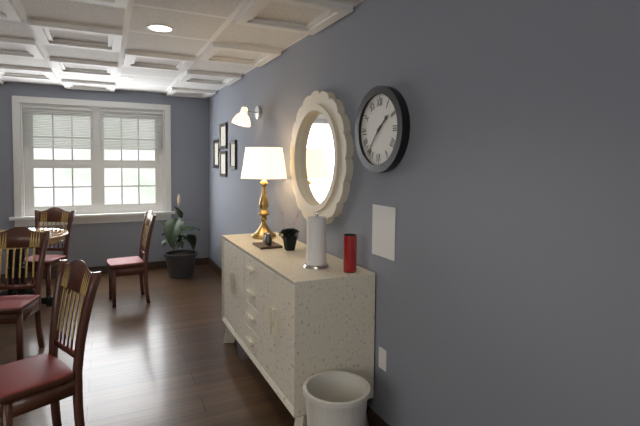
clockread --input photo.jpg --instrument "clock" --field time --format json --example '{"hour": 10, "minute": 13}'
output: {"hour": 1, "minute": 37}
